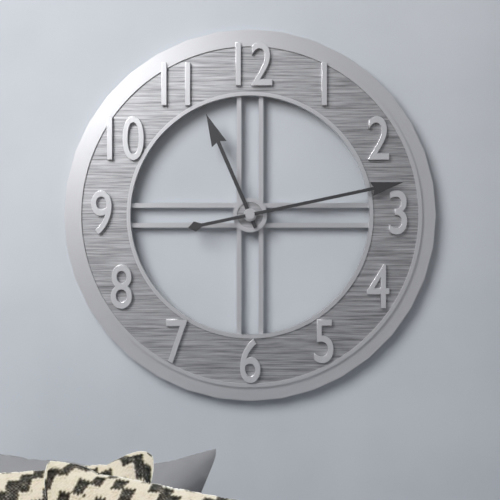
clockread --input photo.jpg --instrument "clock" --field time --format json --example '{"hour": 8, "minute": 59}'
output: {"hour": 11, "minute": 13}
